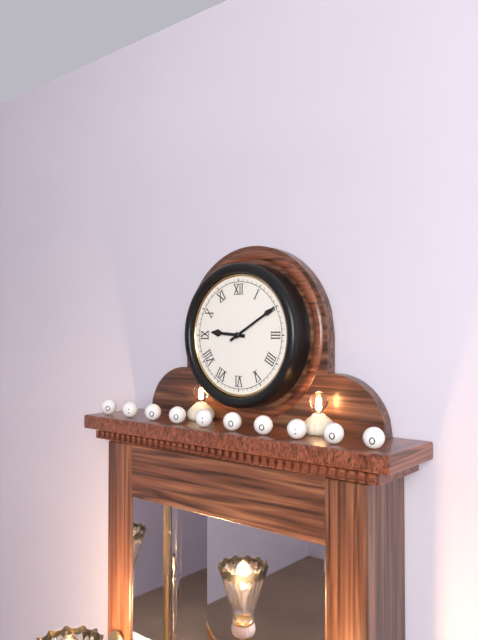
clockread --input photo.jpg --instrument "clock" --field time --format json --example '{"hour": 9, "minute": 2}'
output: {"hour": 9, "minute": 10}
